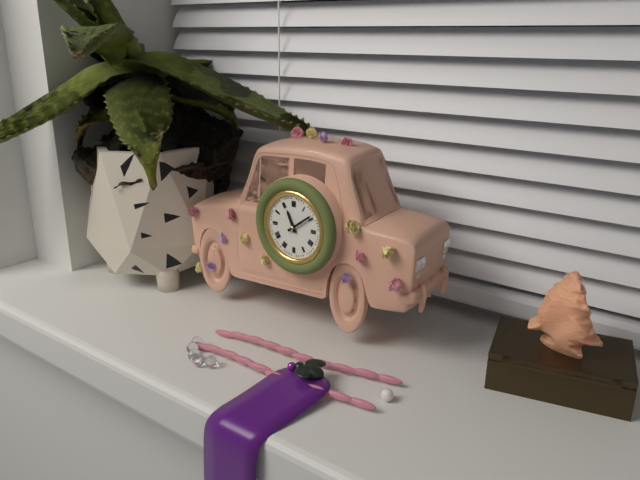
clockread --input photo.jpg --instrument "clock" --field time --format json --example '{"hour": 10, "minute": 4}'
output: {"hour": 11, "minute": 9}
